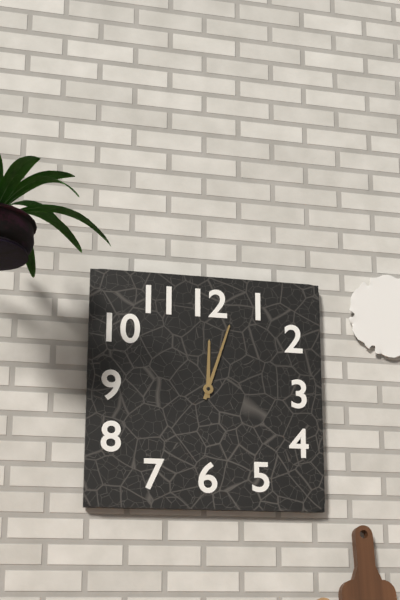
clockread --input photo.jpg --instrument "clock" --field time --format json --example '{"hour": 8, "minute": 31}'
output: {"hour": 12, "minute": 3}
